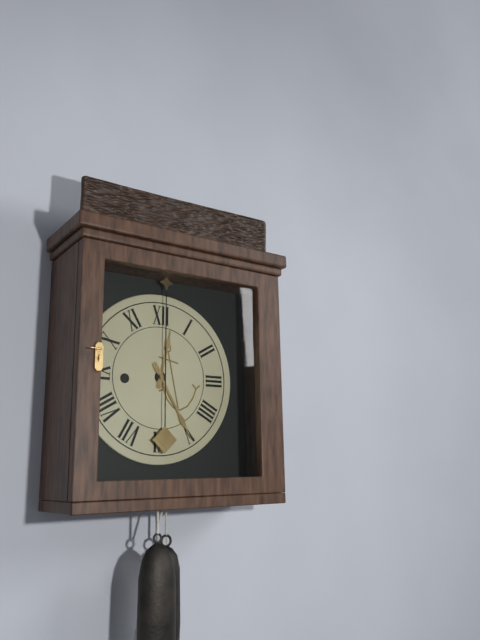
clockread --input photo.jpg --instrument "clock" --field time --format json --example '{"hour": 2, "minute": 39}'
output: {"hour": 12, "minute": 25}
